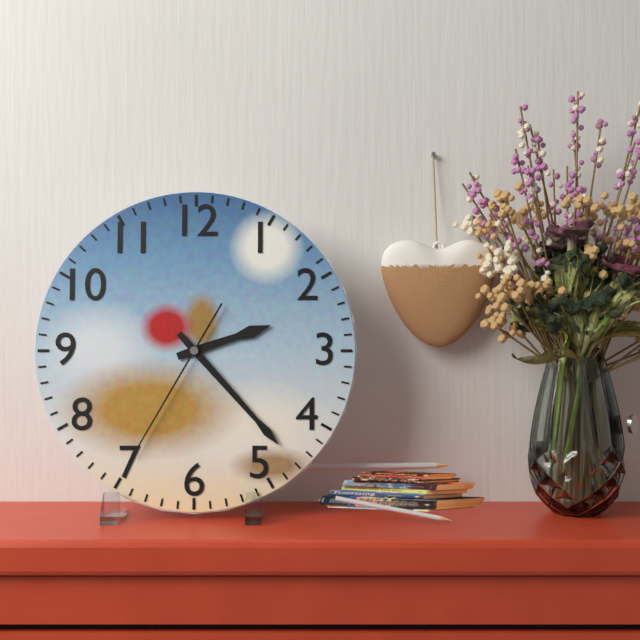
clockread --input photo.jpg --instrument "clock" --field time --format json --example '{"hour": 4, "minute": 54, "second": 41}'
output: {"hour": 2, "minute": 23, "second": 35}
